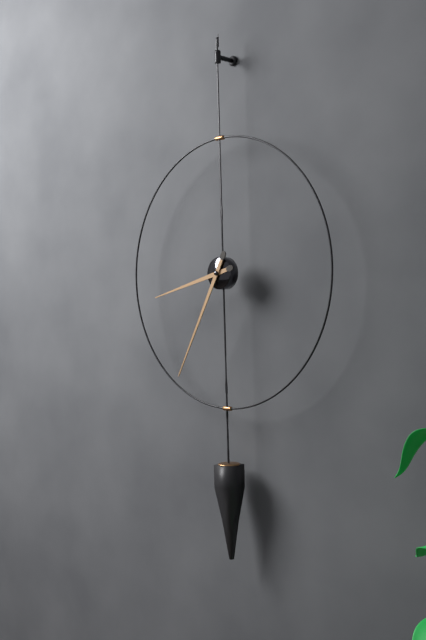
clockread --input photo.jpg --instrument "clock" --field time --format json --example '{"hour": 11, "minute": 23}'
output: {"hour": 8, "minute": 35}
